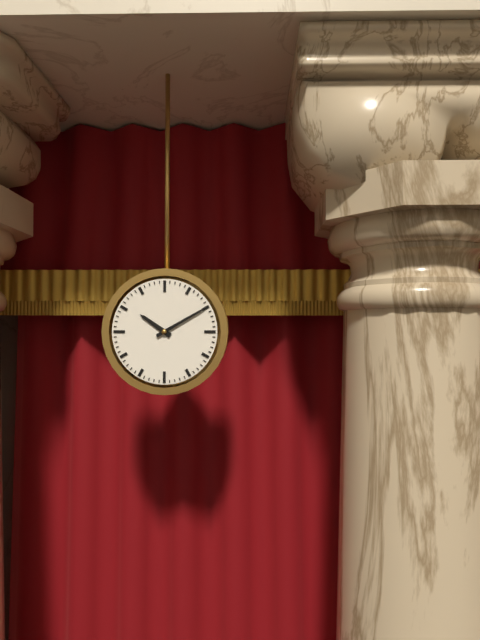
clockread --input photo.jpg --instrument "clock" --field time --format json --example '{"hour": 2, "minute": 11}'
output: {"hour": 10, "minute": 10}
